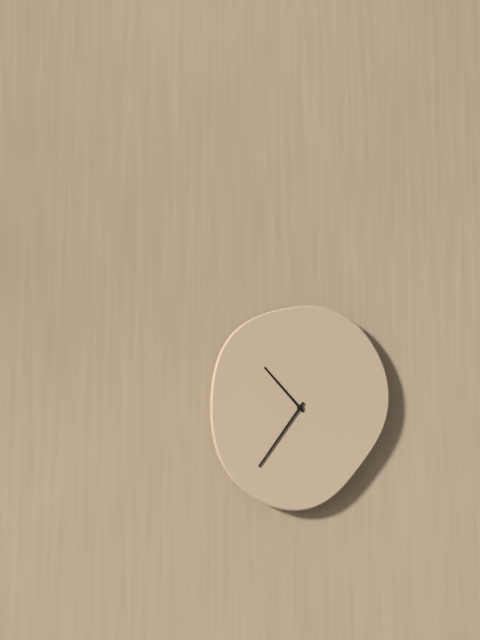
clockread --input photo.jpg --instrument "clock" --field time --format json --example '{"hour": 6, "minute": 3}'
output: {"hour": 10, "minute": 36}
